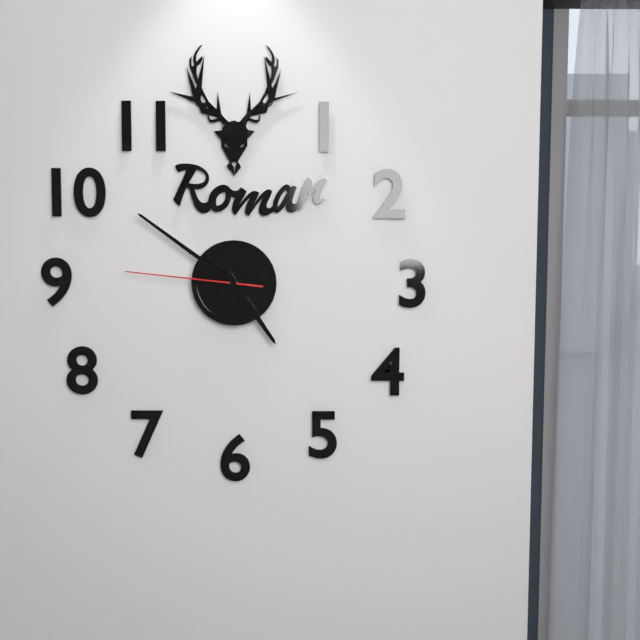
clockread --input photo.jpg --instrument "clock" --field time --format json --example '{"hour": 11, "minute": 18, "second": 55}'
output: {"hour": 4, "minute": 51, "second": 46}
